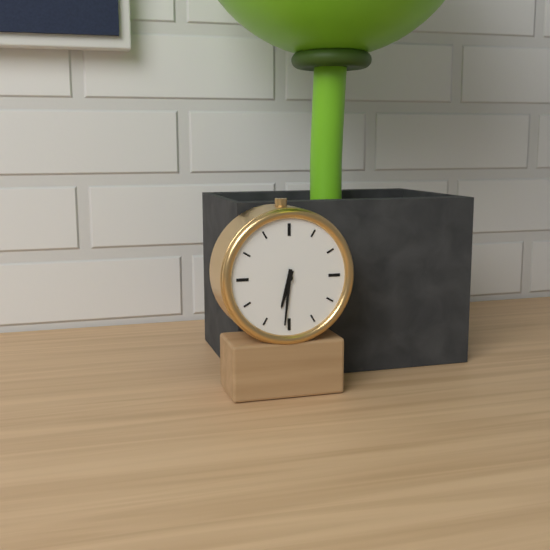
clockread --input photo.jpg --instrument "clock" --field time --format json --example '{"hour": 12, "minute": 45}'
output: {"hour": 6, "minute": 31}
